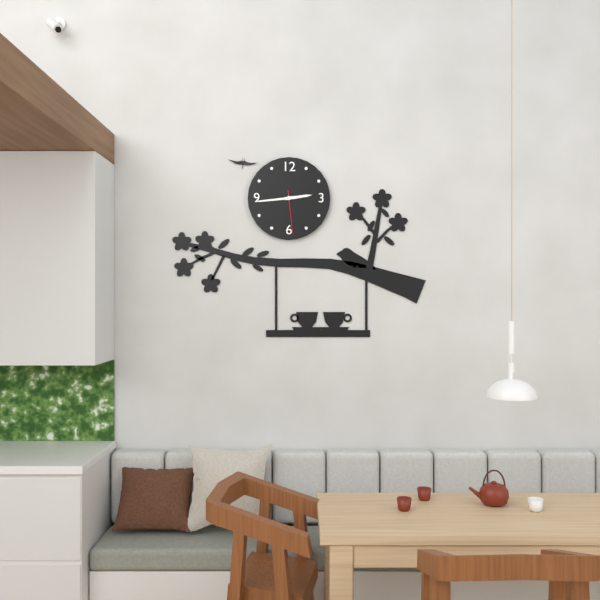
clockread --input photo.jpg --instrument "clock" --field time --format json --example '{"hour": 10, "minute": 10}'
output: {"hour": 2, "minute": 44}
